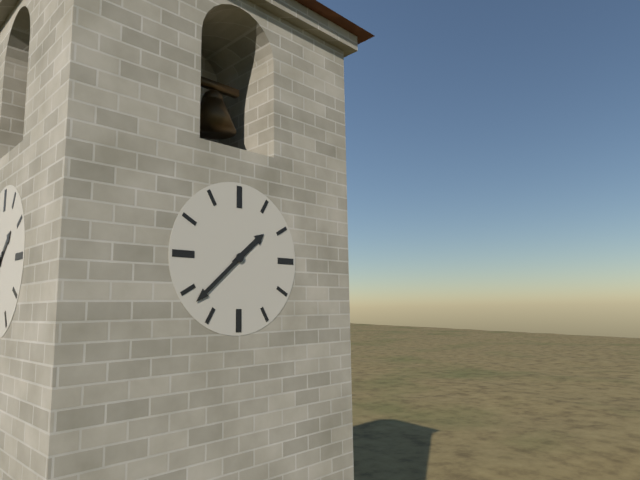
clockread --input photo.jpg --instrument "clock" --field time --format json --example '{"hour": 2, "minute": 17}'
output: {"hour": 1, "minute": 38}
